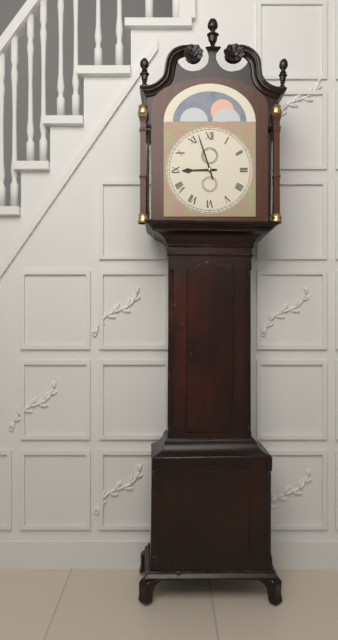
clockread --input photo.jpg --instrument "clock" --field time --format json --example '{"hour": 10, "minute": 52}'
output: {"hour": 8, "minute": 57}
